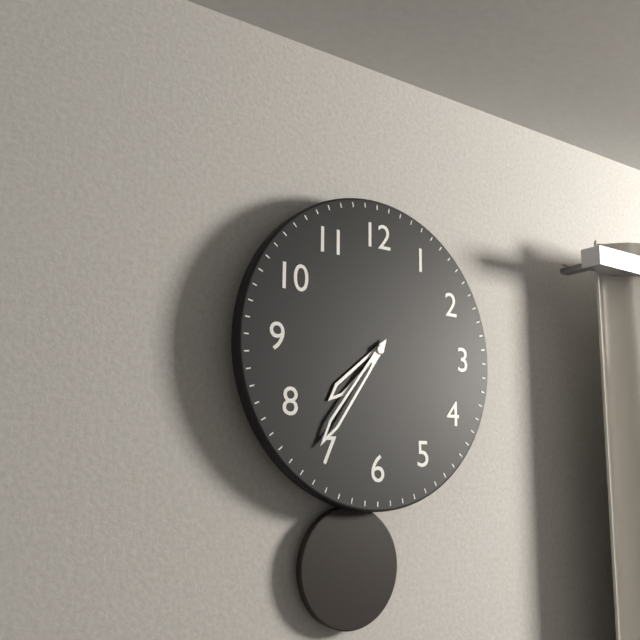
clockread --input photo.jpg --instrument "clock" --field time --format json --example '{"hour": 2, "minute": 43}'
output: {"hour": 7, "minute": 36}
